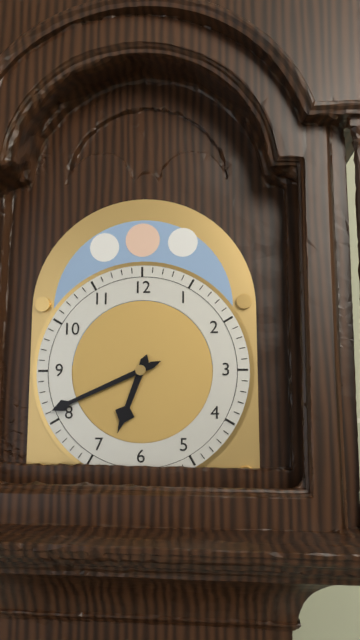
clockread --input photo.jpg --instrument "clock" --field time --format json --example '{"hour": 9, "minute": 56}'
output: {"hour": 6, "minute": 41}
